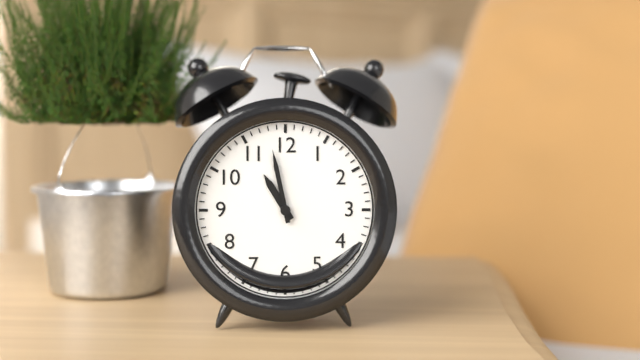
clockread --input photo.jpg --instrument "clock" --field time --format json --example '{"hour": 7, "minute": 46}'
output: {"hour": 10, "minute": 58}
